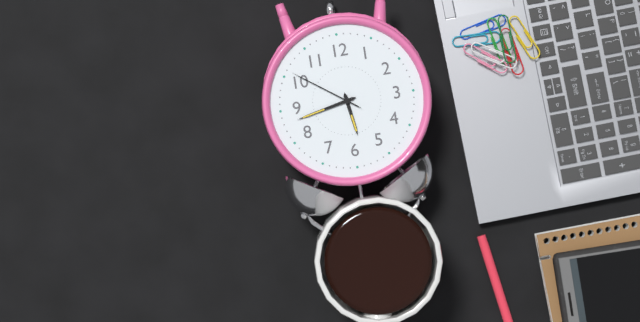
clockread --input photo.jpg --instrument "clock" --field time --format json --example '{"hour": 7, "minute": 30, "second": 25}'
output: {"hour": 5, "minute": 43, "second": 51}
